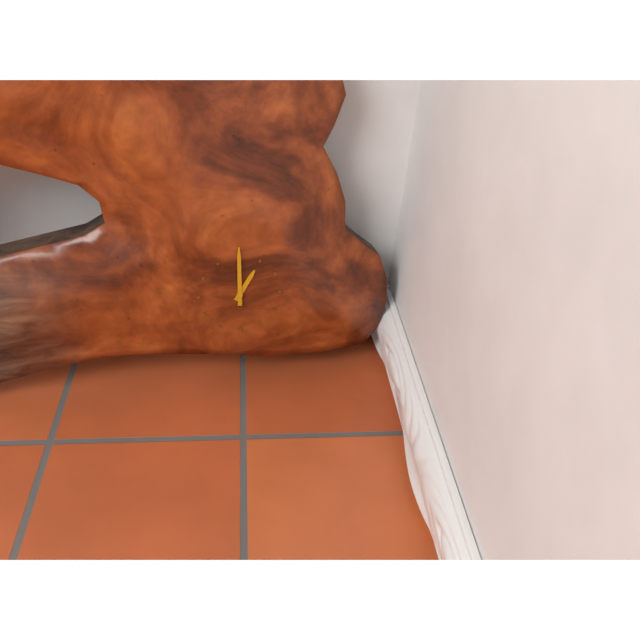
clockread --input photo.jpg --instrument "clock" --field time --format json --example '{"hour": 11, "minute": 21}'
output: {"hour": 1, "minute": 0}
